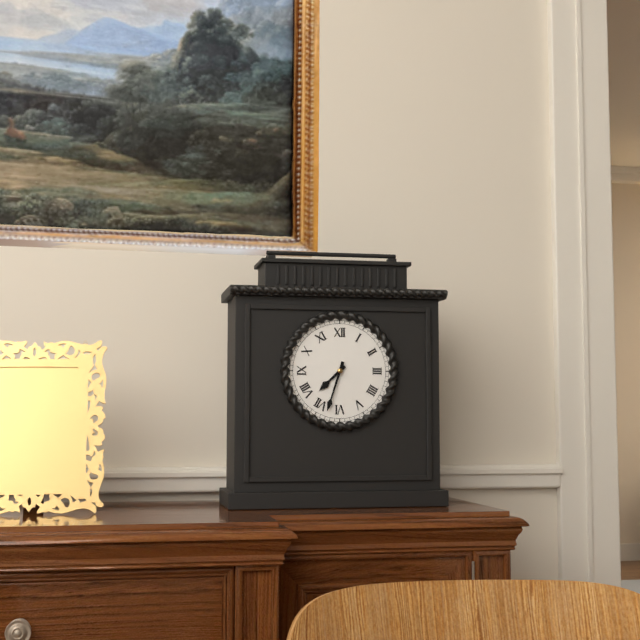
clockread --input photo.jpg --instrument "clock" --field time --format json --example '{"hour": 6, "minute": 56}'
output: {"hour": 7, "minute": 33}
